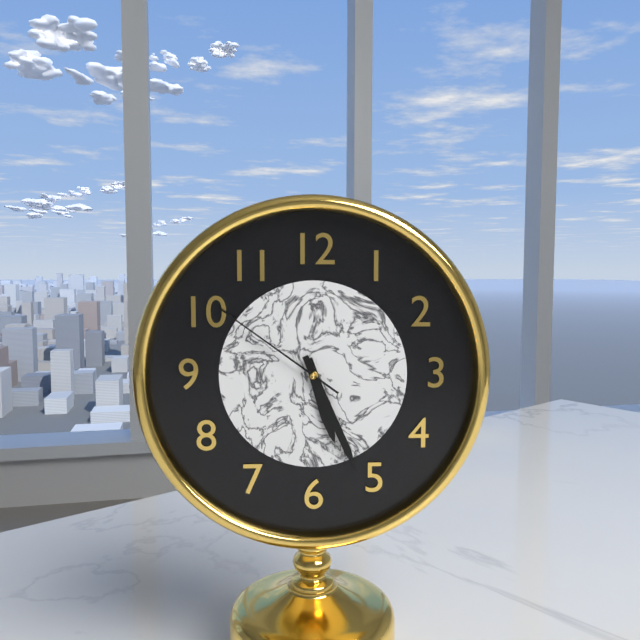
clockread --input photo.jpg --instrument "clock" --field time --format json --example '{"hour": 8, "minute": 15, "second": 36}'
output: {"hour": 5, "minute": 26, "second": 51}
